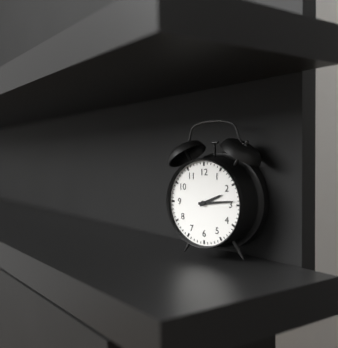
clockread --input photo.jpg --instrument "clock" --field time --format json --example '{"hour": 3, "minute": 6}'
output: {"hour": 2, "minute": 14}
